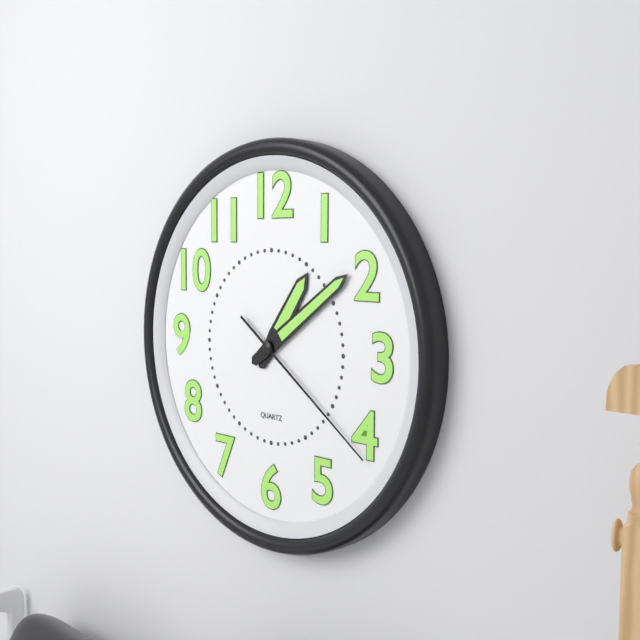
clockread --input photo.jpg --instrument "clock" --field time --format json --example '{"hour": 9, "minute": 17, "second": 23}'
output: {"hour": 1, "minute": 9, "second": 21}
